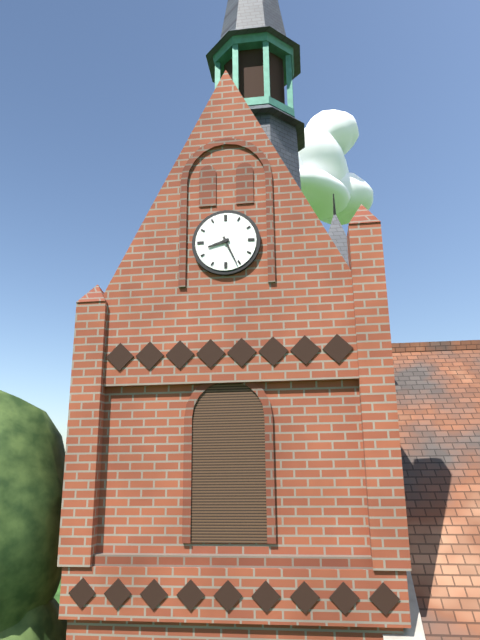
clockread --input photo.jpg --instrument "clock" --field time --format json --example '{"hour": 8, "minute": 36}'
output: {"hour": 8, "minute": 26}
